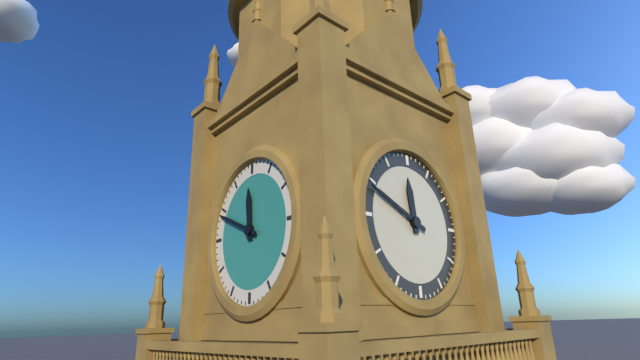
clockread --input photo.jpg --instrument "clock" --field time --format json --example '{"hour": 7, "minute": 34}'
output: {"hour": 11, "minute": 49}
